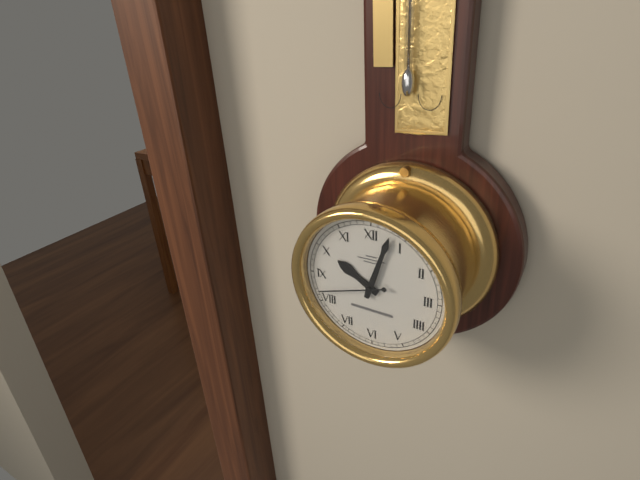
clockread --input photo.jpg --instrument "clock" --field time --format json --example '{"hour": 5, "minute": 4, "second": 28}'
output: {"hour": 10, "minute": 3, "second": 42}
